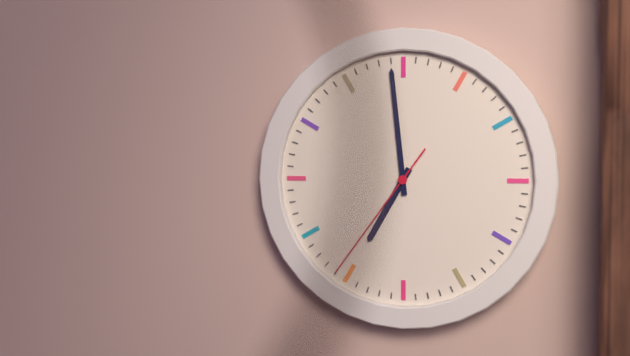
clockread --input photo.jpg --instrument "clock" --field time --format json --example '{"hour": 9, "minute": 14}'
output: {"hour": 6, "minute": 59}
